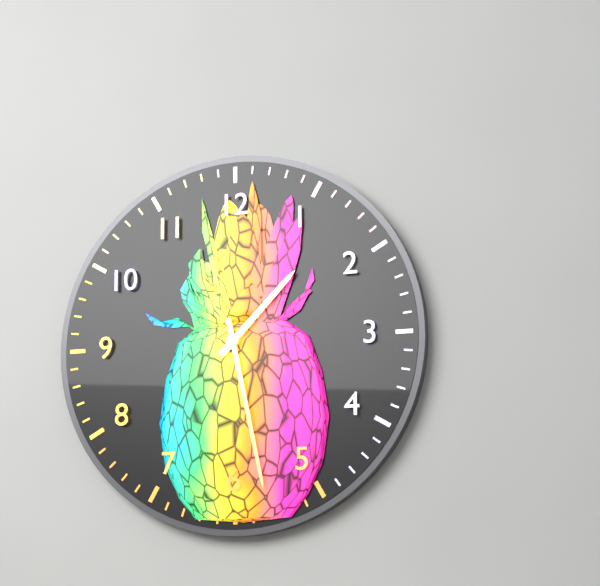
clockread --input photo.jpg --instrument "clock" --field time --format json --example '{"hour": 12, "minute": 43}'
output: {"hour": 1, "minute": 28}
